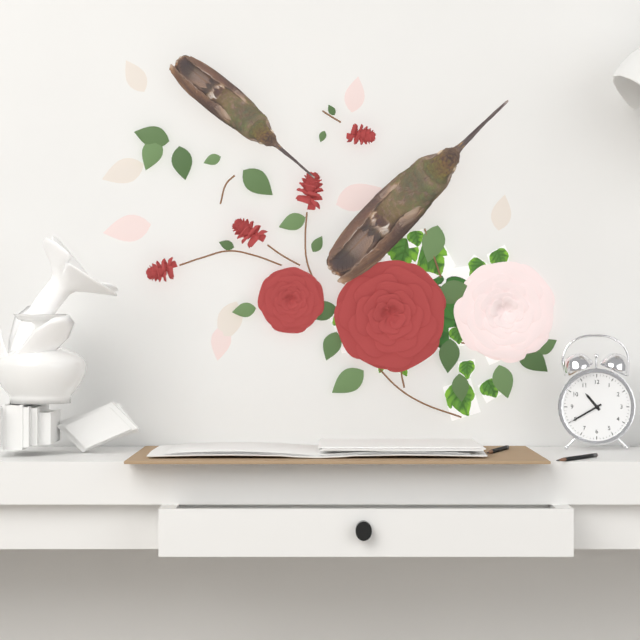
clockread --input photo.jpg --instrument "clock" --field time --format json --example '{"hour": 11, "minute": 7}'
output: {"hour": 10, "minute": 40}
